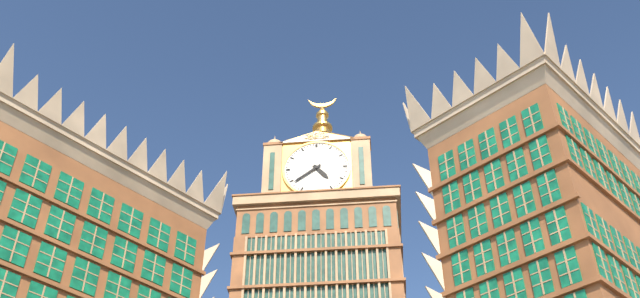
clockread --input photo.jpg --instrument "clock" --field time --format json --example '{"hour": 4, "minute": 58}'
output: {"hour": 4, "minute": 39}
